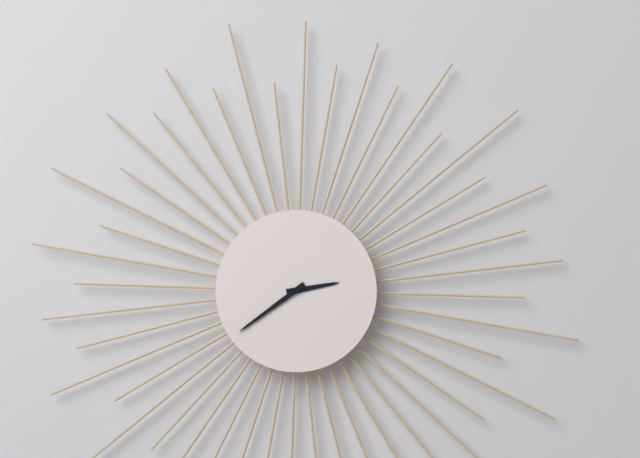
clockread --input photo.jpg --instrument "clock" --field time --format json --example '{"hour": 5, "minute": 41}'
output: {"hour": 2, "minute": 39}
